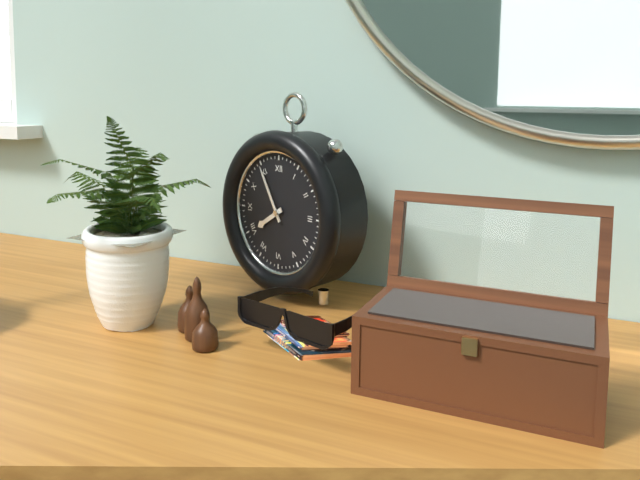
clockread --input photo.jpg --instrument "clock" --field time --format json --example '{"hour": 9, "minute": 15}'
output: {"hour": 7, "minute": 55}
